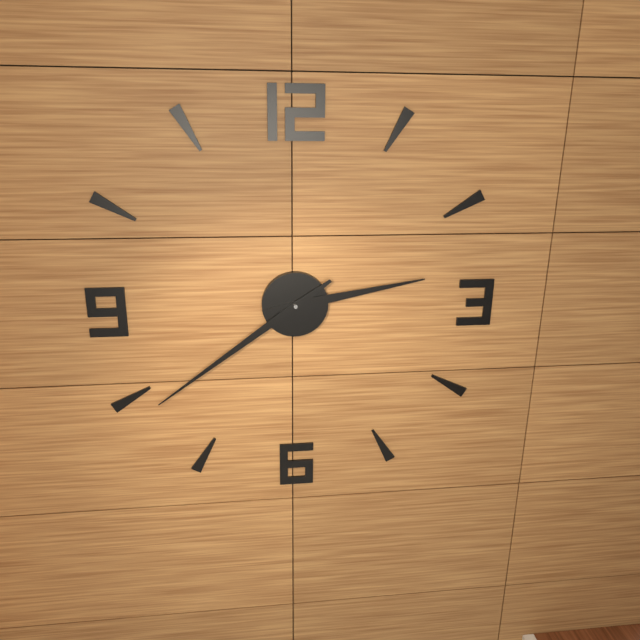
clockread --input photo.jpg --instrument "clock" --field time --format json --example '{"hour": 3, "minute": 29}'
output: {"hour": 2, "minute": 39}
